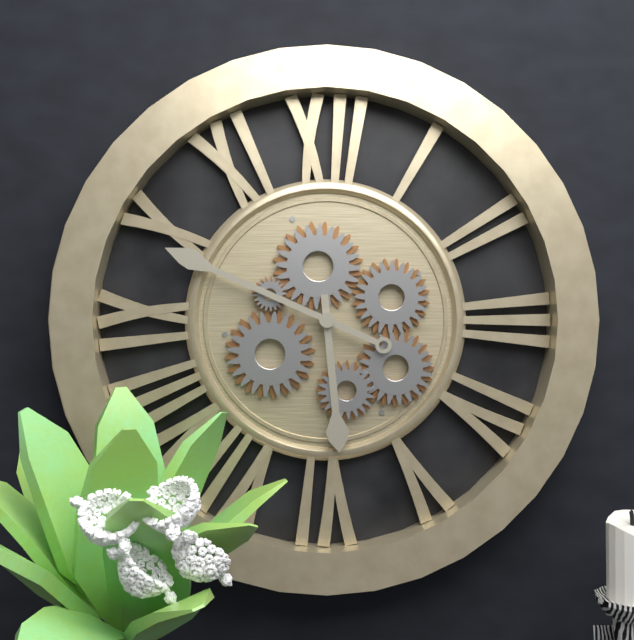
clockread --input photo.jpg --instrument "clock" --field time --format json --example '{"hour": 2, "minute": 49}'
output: {"hour": 5, "minute": 49}
